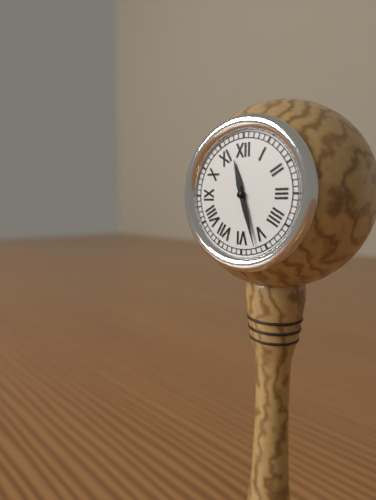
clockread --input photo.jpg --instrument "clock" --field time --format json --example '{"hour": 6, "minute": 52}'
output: {"hour": 11, "minute": 27}
